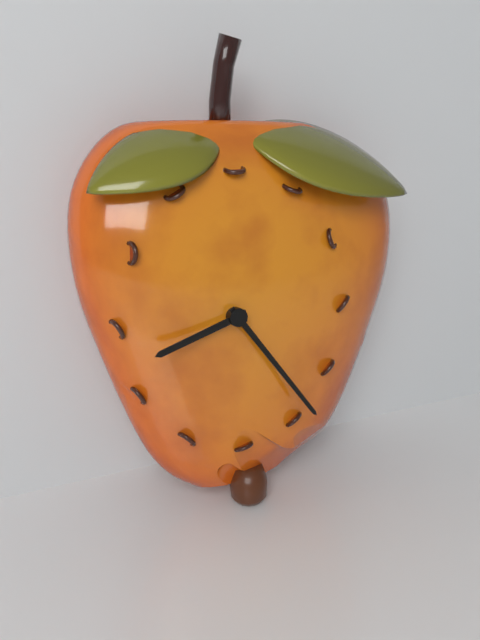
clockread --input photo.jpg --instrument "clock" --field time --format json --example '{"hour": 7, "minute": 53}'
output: {"hour": 8, "minute": 24}
